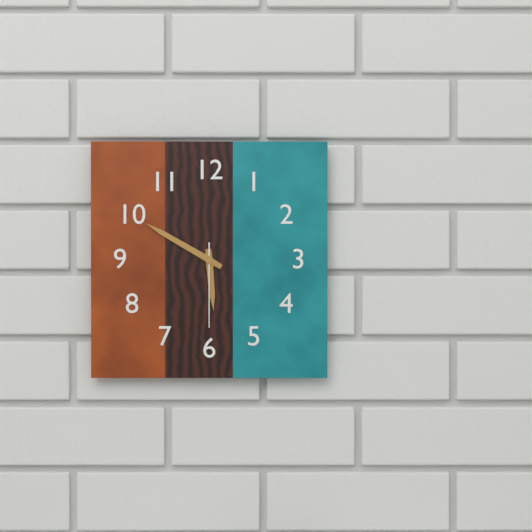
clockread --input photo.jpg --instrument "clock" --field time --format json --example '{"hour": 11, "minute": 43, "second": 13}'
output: {"hour": 5, "minute": 50, "second": 30}
